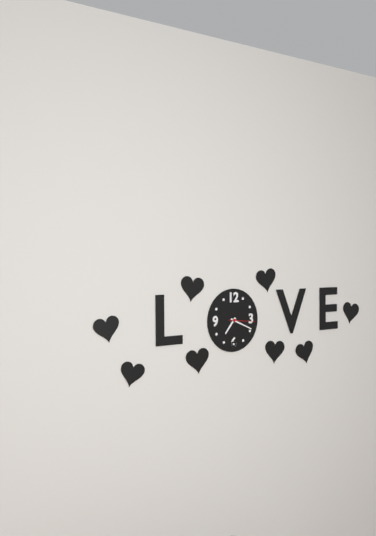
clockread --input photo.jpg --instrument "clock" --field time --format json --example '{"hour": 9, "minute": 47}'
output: {"hour": 7, "minute": 19}
